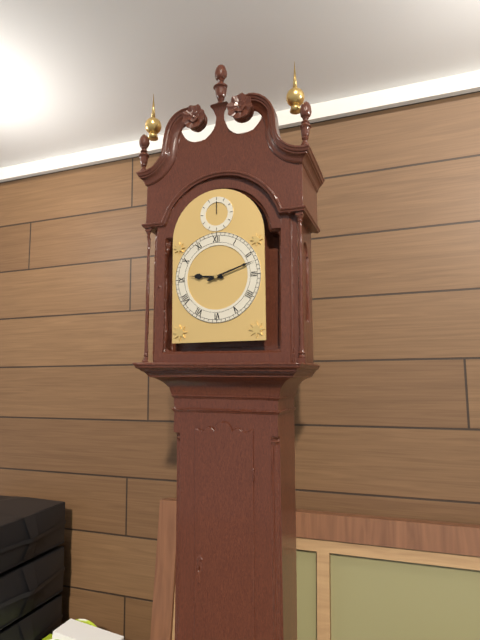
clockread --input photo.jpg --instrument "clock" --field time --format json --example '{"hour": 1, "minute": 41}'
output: {"hour": 9, "minute": 12}
